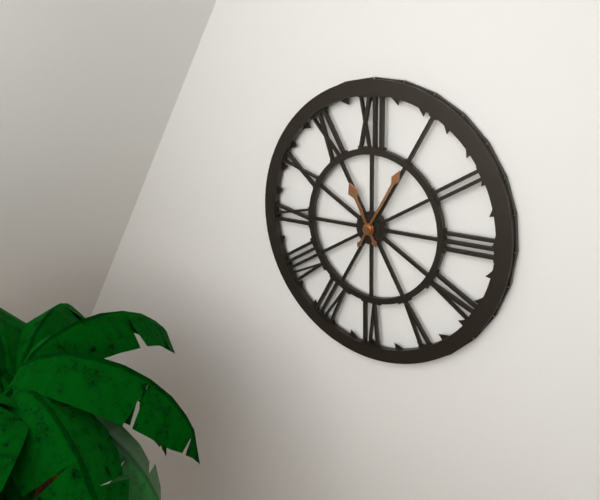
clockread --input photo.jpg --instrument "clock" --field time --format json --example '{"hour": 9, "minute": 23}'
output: {"hour": 11, "minute": 5}
